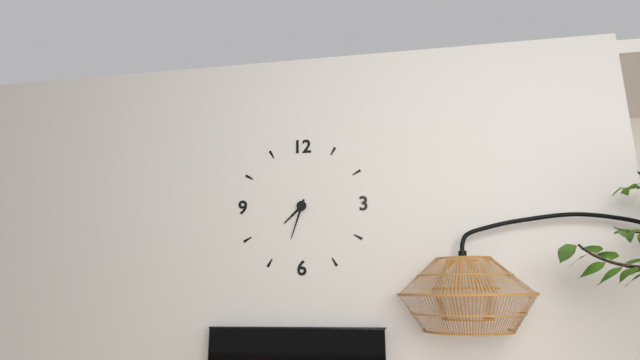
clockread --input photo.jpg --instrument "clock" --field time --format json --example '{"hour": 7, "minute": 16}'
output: {"hour": 7, "minute": 33}
